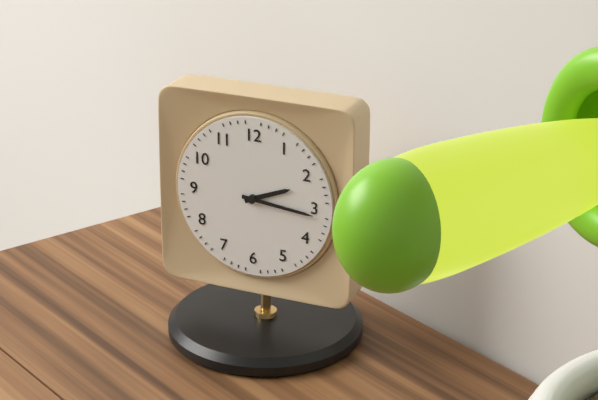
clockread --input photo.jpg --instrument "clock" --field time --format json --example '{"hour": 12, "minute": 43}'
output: {"hour": 2, "minute": 16}
